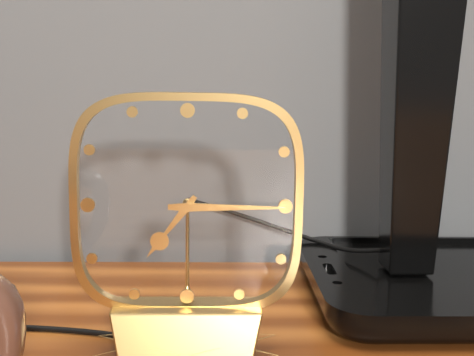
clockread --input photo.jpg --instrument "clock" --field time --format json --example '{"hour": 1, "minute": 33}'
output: {"hour": 7, "minute": 15}
